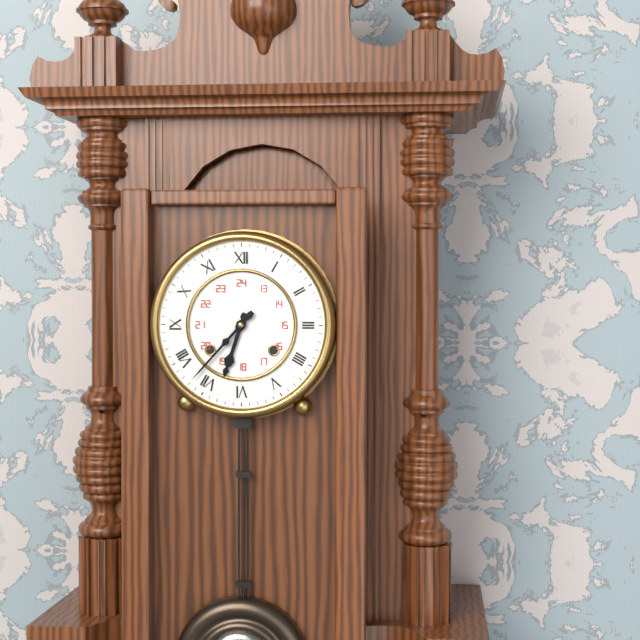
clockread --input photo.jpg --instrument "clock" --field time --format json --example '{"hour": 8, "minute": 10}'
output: {"hour": 6, "minute": 37}
